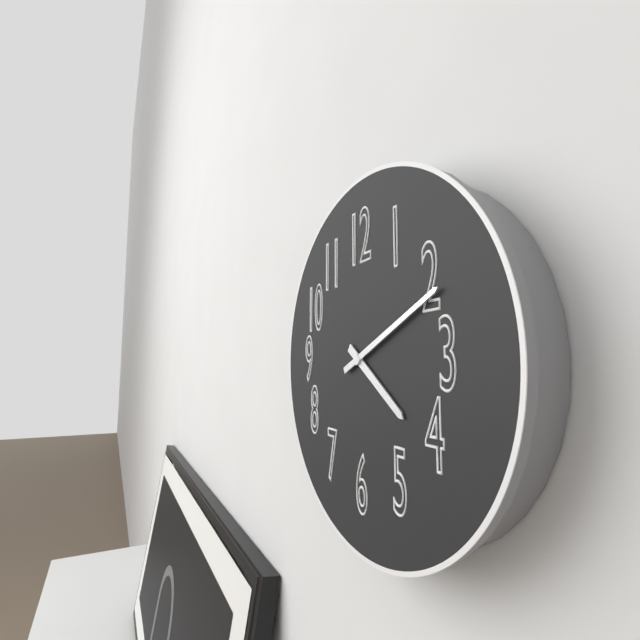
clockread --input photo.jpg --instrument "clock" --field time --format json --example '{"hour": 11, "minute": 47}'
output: {"hour": 4, "minute": 11}
